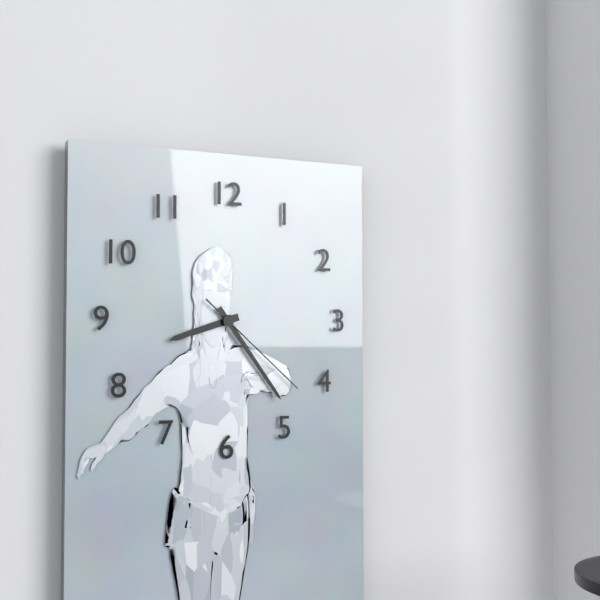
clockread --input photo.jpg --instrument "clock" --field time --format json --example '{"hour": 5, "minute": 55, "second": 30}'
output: {"hour": 8, "minute": 24, "second": 22}
